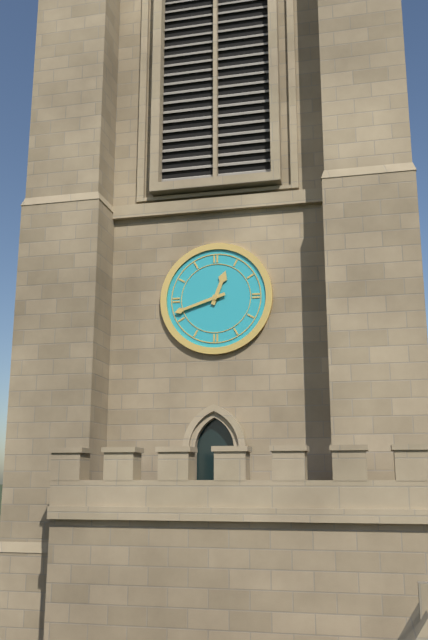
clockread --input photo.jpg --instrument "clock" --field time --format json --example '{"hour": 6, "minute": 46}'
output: {"hour": 12, "minute": 42}
